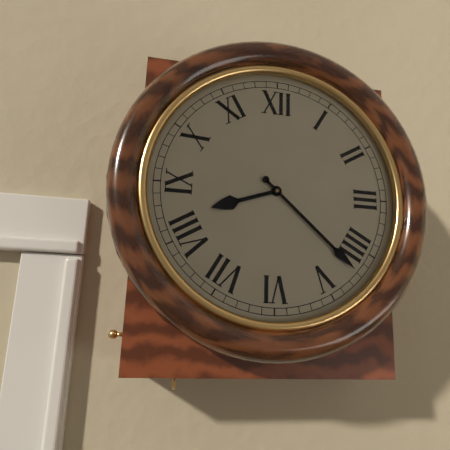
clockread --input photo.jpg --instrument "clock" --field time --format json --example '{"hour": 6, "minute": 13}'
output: {"hour": 8, "minute": 22}
